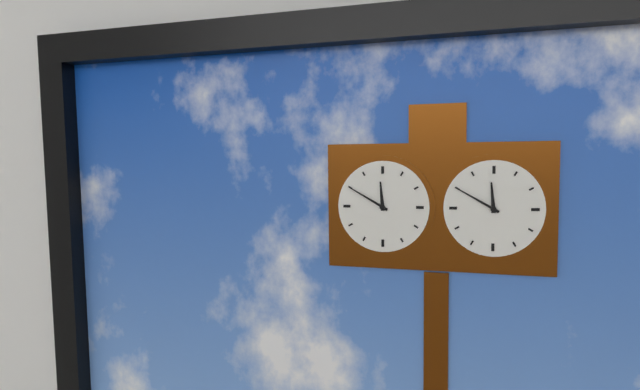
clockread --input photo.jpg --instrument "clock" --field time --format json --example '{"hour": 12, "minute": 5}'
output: {"hour": 11, "minute": 50}
